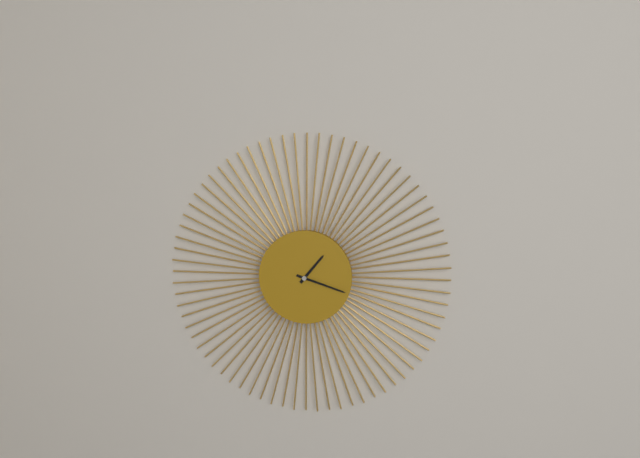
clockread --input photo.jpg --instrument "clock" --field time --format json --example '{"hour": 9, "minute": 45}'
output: {"hour": 1, "minute": 18}
